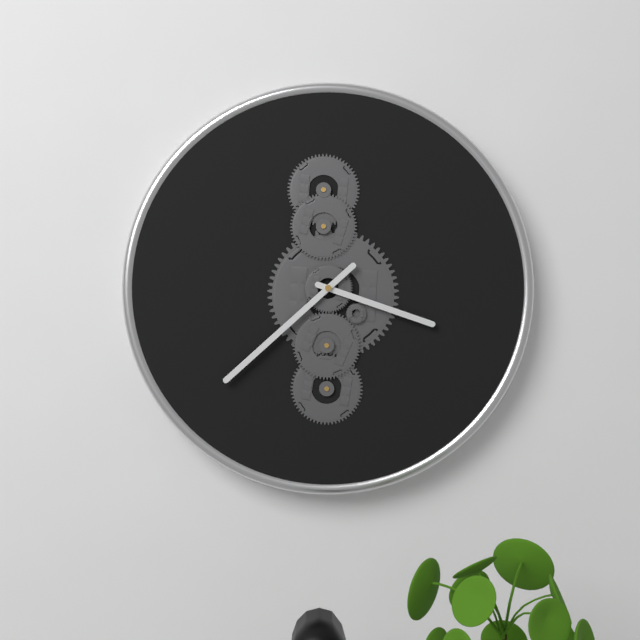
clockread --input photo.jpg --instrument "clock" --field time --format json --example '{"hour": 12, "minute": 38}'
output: {"hour": 3, "minute": 38}
